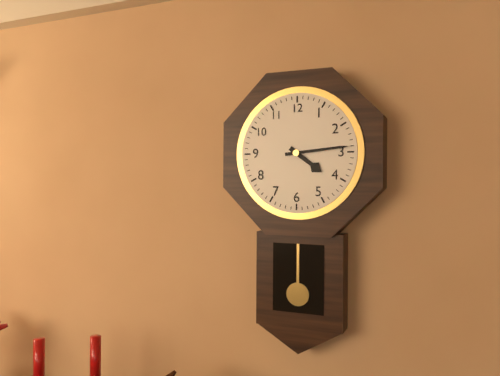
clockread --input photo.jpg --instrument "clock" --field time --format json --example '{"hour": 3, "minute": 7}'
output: {"hour": 4, "minute": 14}
